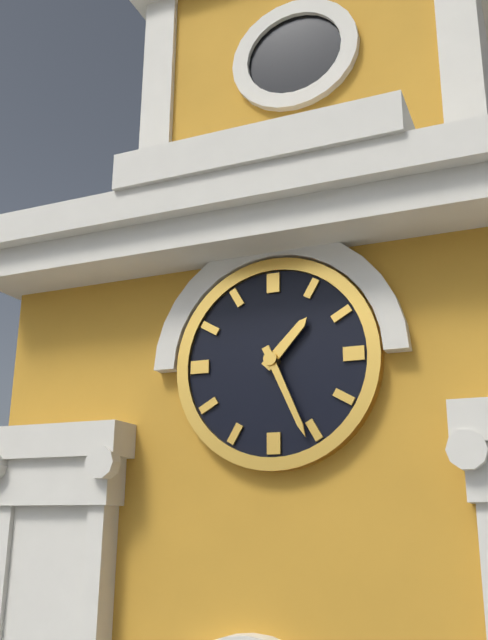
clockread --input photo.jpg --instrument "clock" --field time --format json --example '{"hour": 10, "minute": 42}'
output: {"hour": 1, "minute": 26}
